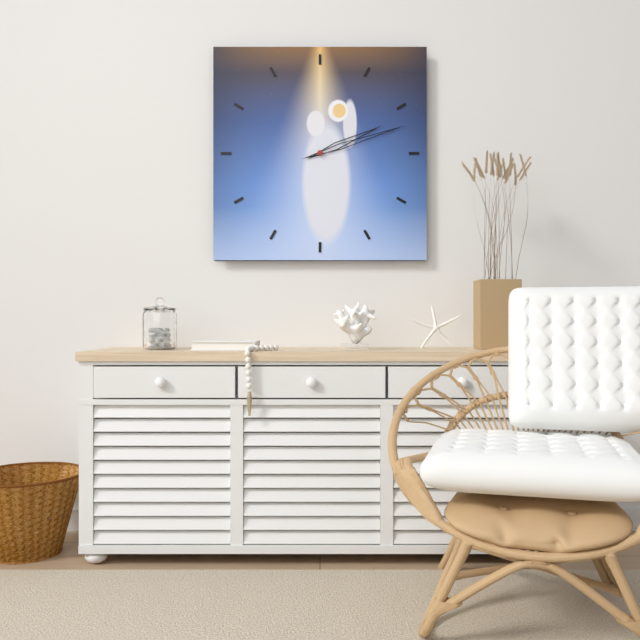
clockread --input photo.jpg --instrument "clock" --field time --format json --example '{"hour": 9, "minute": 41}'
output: {"hour": 2, "minute": 12}
